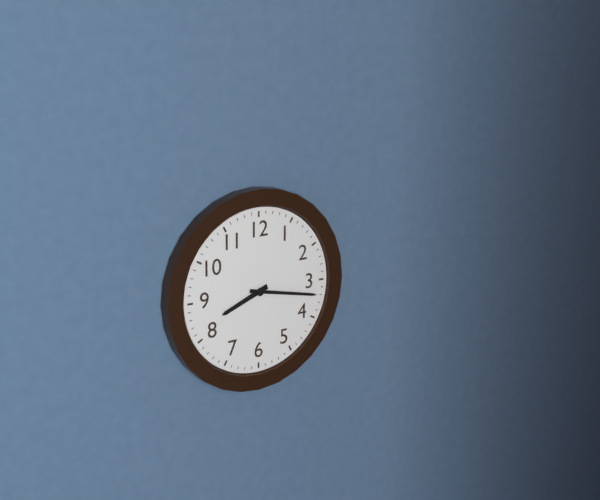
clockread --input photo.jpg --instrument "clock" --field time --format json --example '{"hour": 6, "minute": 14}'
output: {"hour": 8, "minute": 17}
